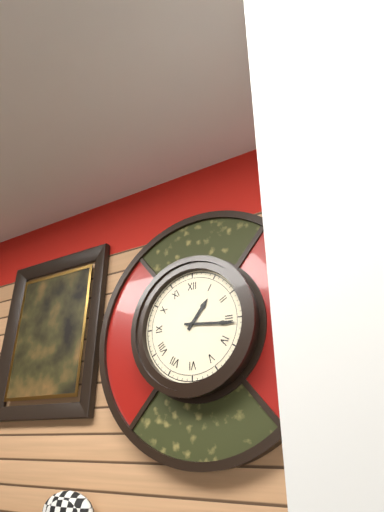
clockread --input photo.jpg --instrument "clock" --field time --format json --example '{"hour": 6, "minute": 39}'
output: {"hour": 1, "minute": 16}
